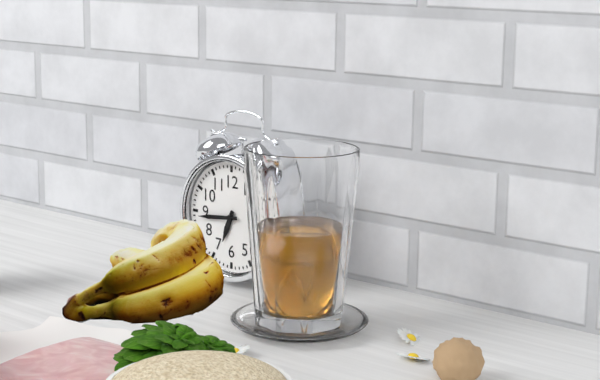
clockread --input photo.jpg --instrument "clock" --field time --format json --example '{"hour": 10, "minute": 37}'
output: {"hour": 6, "minute": 44}
